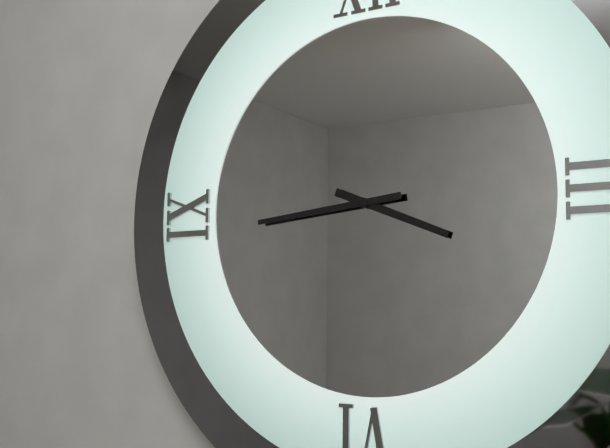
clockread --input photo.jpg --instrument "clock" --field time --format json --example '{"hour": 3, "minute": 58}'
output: {"hour": 3, "minute": 44}
